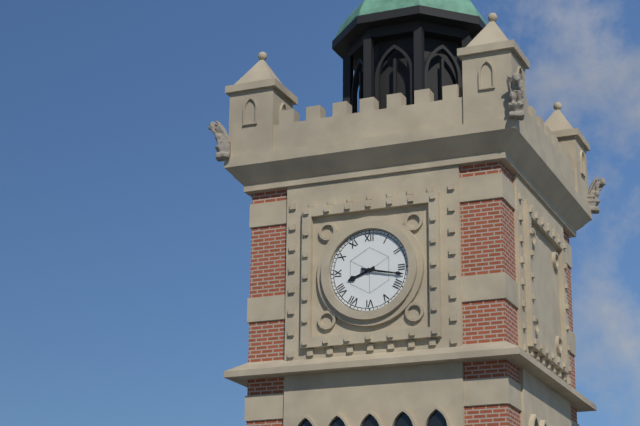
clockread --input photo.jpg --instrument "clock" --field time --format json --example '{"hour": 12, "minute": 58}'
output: {"hour": 8, "minute": 17}
